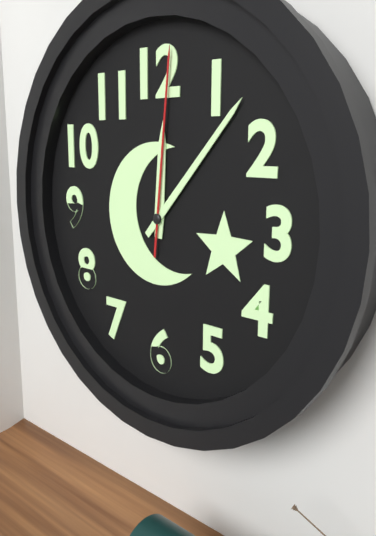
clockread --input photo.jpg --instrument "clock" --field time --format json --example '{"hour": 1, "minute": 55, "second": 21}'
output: {"hour": 12, "minute": 7, "second": 1}
